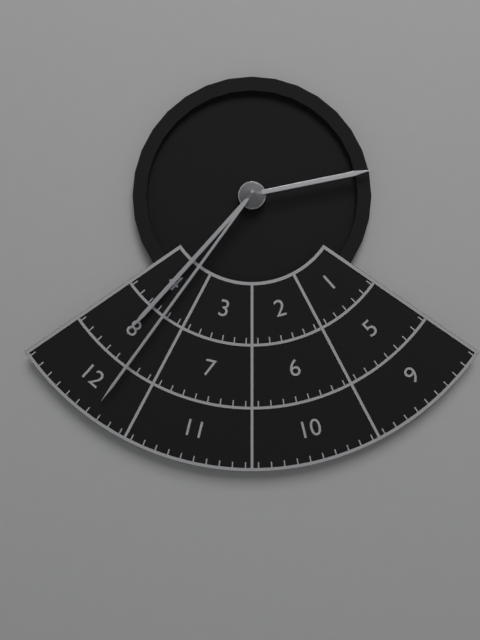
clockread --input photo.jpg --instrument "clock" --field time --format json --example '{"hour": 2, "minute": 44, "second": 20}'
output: {"hour": 2, "minute": 37, "second": 36}
